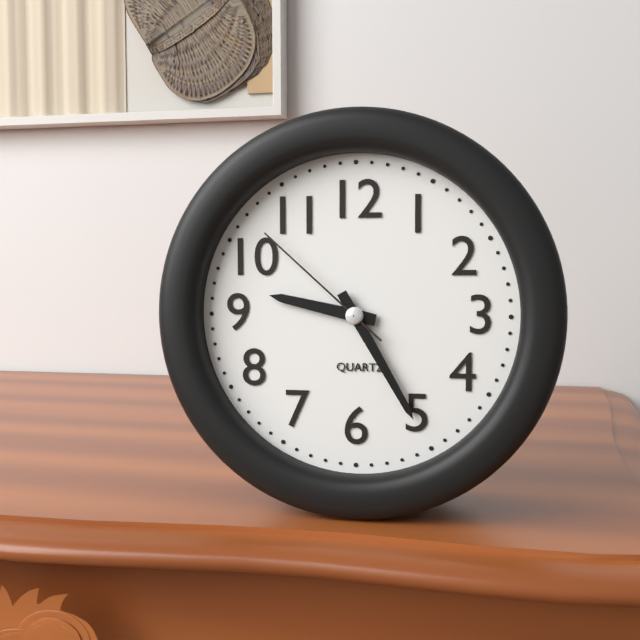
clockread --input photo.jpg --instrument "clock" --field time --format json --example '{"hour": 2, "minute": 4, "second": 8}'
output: {"hour": 9, "minute": 25, "second": 52}
